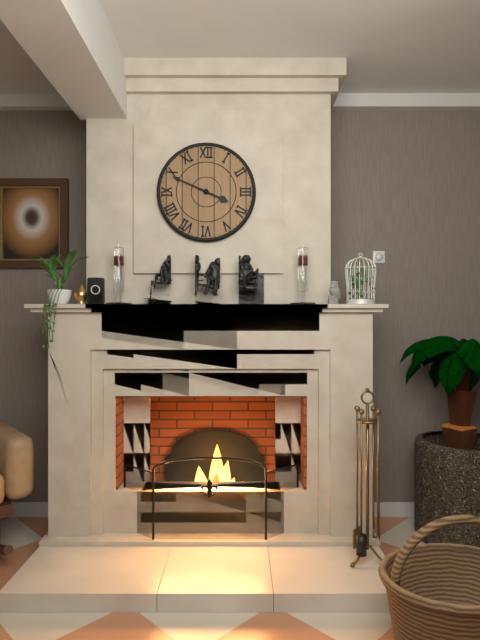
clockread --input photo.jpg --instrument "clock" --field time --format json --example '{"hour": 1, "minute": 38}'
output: {"hour": 3, "minute": 49}
